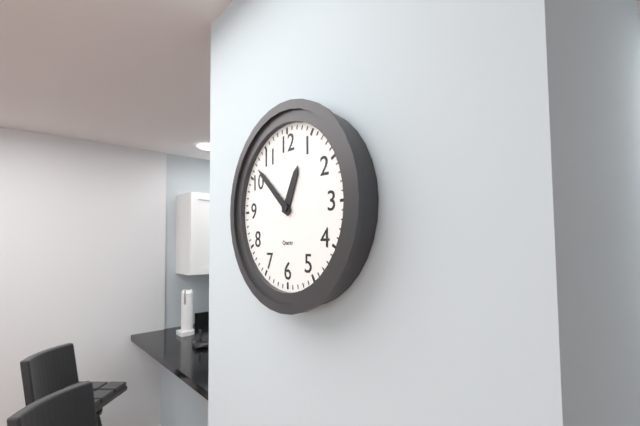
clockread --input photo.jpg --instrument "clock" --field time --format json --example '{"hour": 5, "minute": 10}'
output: {"hour": 12, "minute": 52}
